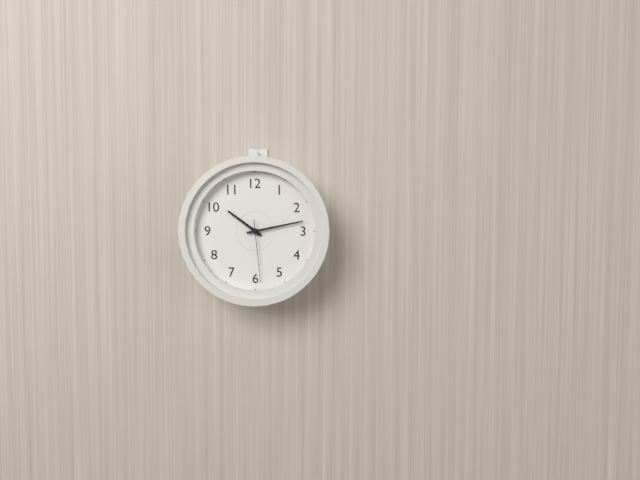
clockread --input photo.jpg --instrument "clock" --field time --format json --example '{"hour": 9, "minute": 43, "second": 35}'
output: {"hour": 10, "minute": 13, "second": 29}
